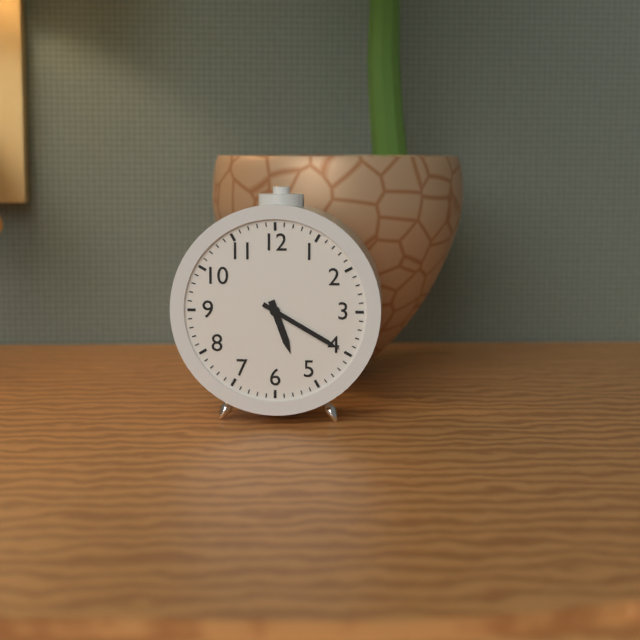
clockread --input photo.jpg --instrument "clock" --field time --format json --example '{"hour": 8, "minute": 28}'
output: {"hour": 5, "minute": 20}
